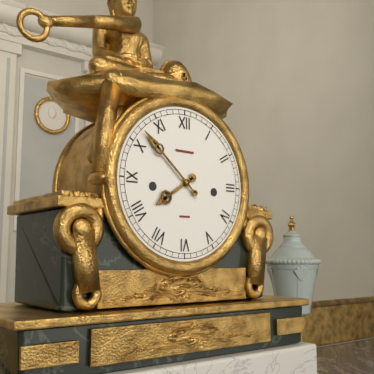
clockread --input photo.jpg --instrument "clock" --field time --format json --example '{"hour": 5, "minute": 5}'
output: {"hour": 7, "minute": 52}
